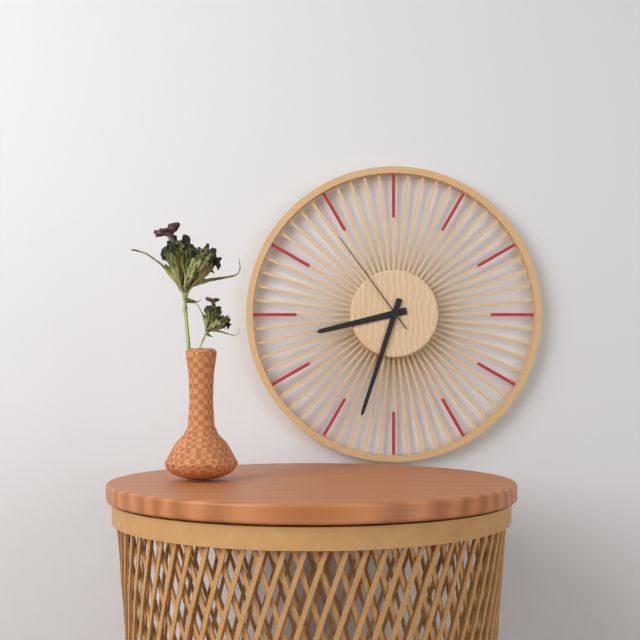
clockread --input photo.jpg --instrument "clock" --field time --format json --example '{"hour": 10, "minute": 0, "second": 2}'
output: {"hour": 8, "minute": 33, "second": 54}
